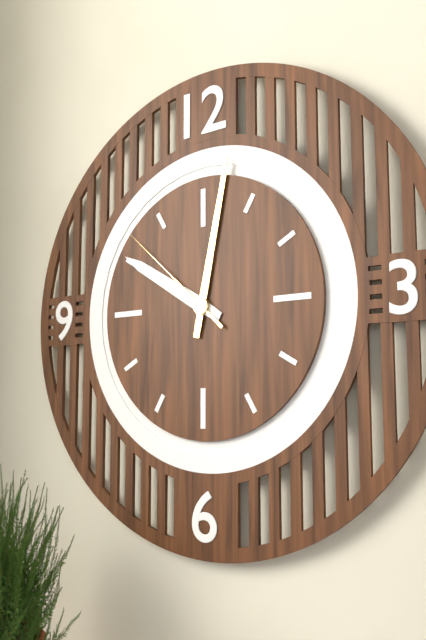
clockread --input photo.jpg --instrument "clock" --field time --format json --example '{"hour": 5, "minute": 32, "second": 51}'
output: {"hour": 10, "minute": 2, "second": 52}
